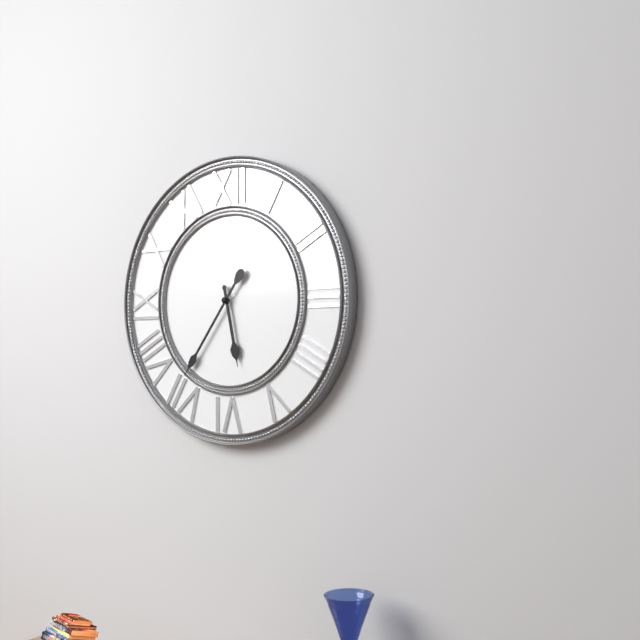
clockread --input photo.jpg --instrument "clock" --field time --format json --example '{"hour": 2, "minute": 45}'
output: {"hour": 5, "minute": 36}
